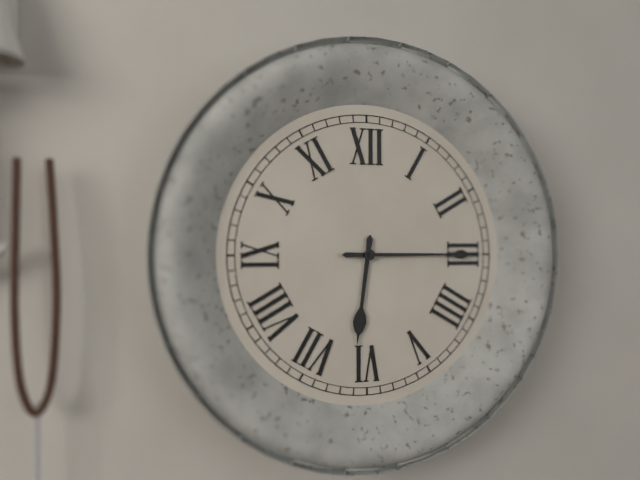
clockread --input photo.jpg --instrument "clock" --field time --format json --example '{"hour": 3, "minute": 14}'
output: {"hour": 6, "minute": 15}
